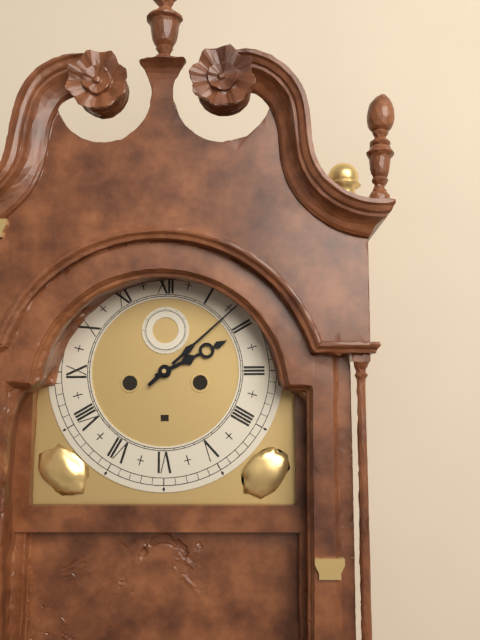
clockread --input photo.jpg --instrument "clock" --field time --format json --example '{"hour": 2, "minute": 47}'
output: {"hour": 2, "minute": 8}
